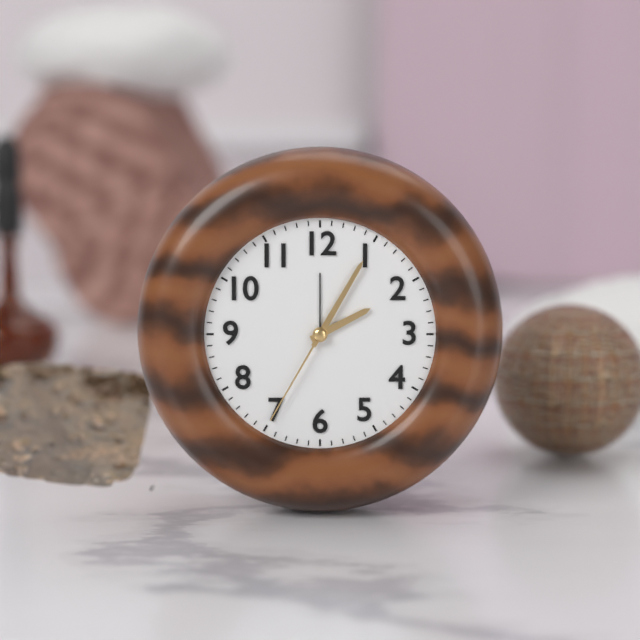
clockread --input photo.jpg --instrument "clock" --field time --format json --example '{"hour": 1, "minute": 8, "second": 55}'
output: {"hour": 2, "minute": 5, "second": 35}
